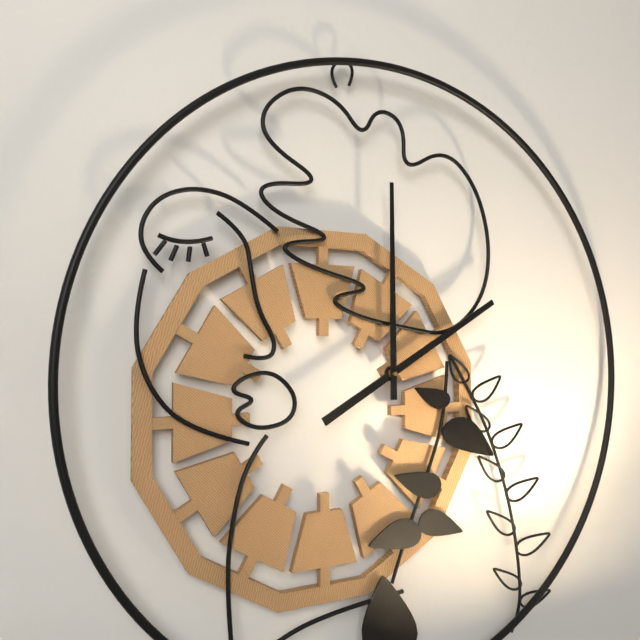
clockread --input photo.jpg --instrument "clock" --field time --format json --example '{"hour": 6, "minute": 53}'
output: {"hour": 2, "minute": 0}
